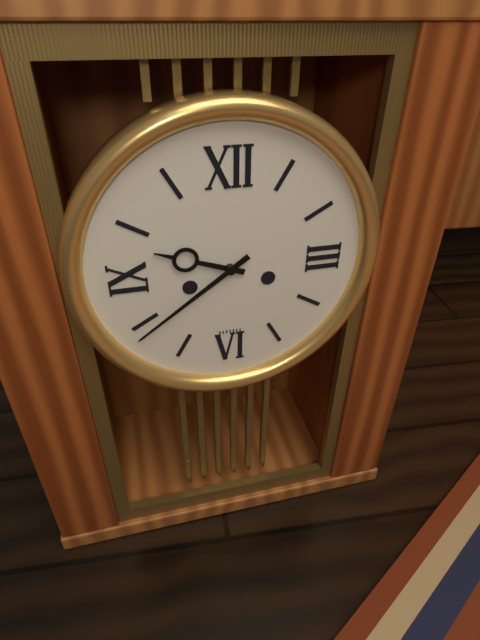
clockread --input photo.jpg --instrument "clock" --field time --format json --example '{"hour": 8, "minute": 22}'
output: {"hour": 9, "minute": 39}
